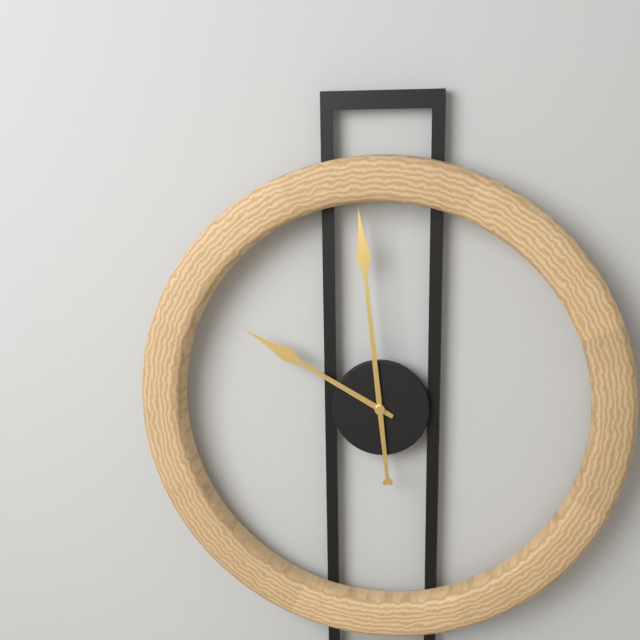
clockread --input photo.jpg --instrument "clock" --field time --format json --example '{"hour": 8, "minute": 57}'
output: {"hour": 9, "minute": 59}
